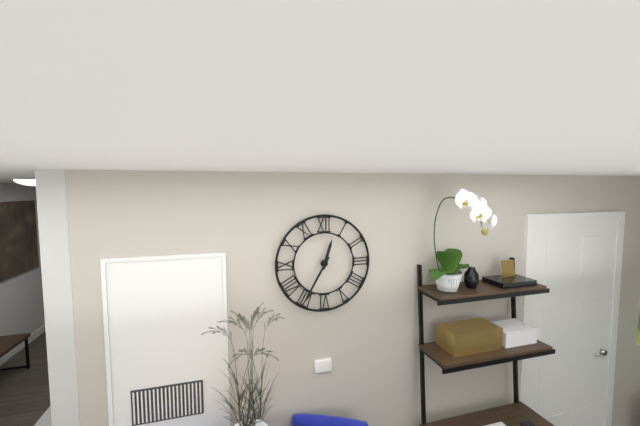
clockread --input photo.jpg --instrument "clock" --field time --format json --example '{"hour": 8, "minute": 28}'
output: {"hour": 12, "minute": 35}
